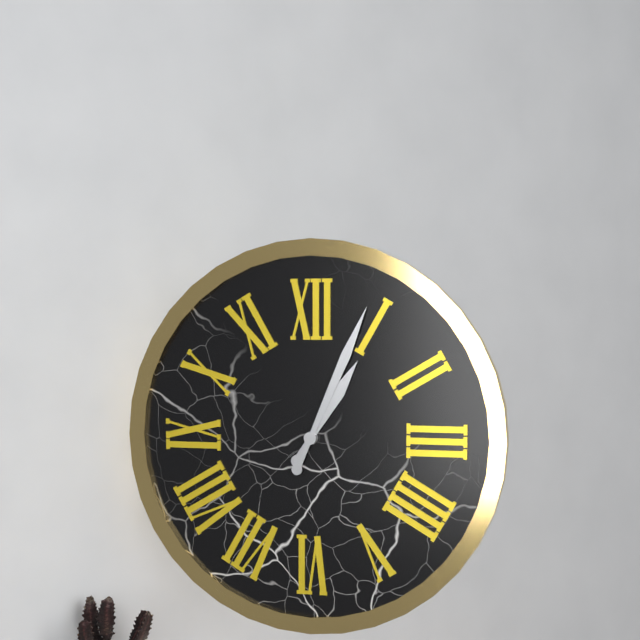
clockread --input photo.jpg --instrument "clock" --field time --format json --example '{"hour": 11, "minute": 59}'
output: {"hour": 1, "minute": 4}
